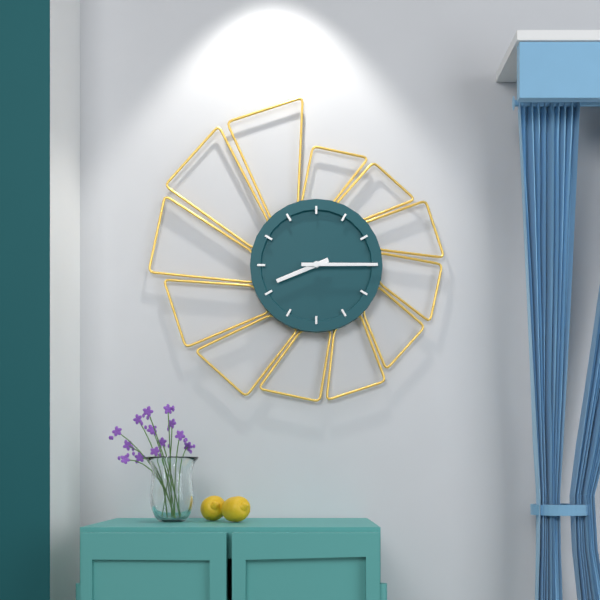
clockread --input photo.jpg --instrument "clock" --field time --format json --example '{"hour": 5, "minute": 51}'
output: {"hour": 8, "minute": 15}
